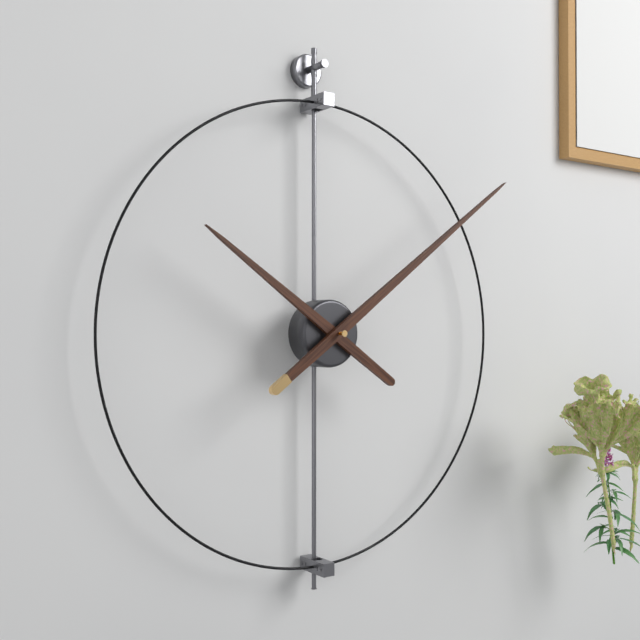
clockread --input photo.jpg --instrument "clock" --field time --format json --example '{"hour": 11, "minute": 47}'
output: {"hour": 10, "minute": 9}
